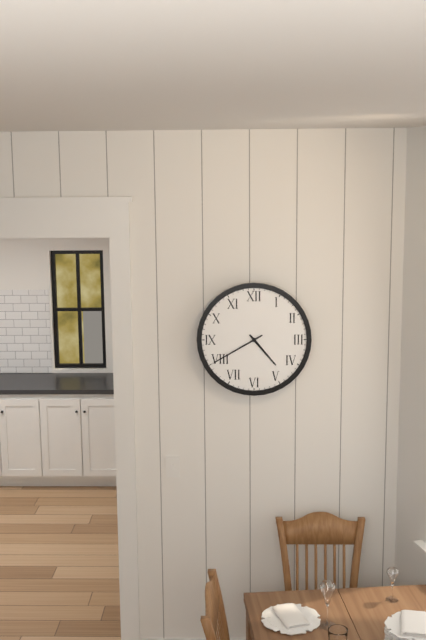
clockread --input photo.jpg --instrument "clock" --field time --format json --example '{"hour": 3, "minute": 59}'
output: {"hour": 4, "minute": 40}
